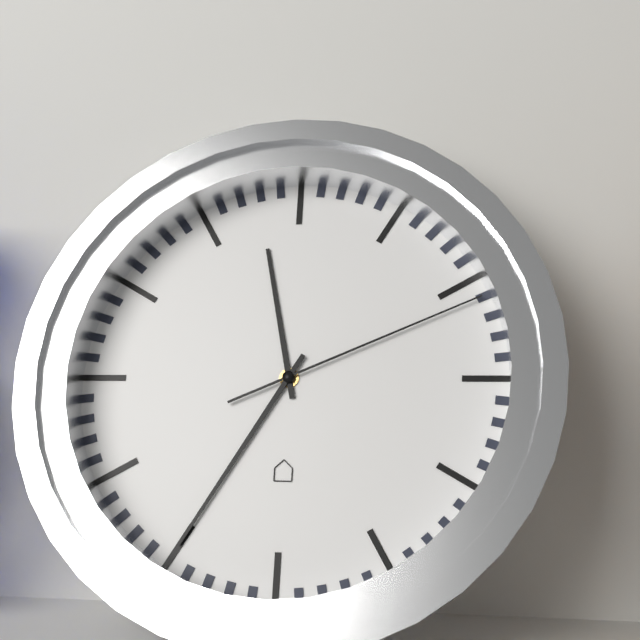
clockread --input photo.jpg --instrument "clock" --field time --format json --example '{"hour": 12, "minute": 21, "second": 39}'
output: {"hour": 11, "minute": 35, "second": 11}
